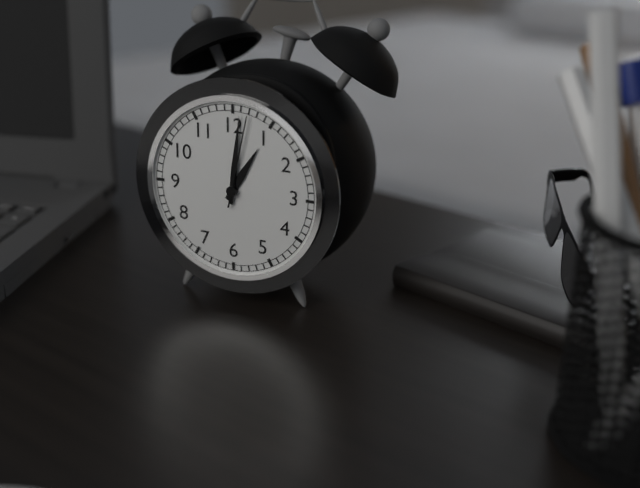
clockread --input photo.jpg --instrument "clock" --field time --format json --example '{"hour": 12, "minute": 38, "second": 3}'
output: {"hour": 1, "minute": 1, "second": 2}
